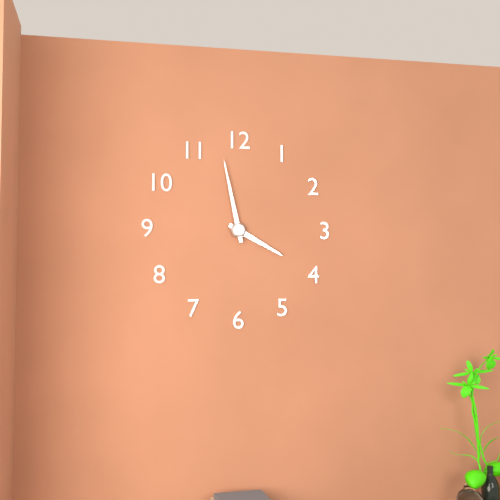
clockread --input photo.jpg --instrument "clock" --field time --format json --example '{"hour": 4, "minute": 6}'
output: {"hour": 3, "minute": 58}
